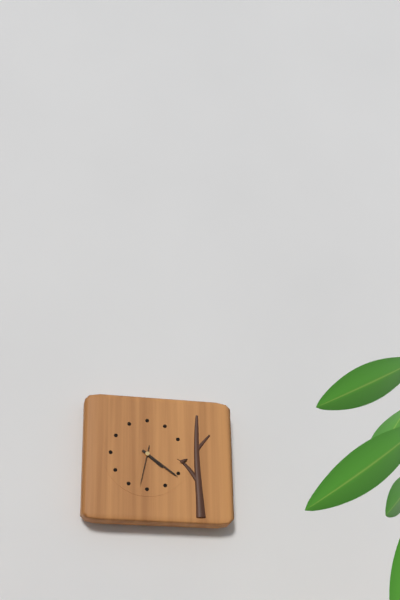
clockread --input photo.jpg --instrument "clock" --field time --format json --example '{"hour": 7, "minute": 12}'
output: {"hour": 4, "minute": 21}
